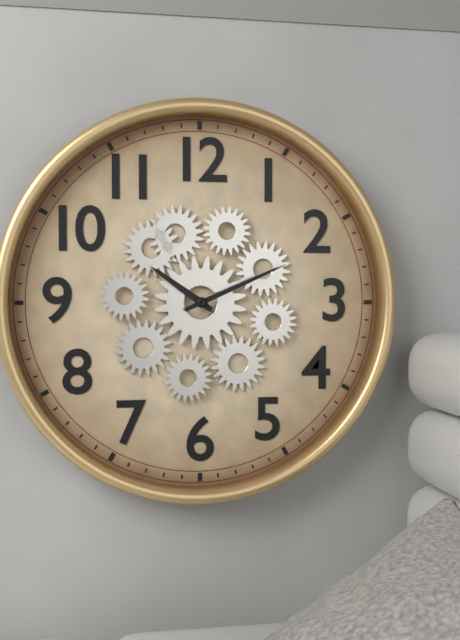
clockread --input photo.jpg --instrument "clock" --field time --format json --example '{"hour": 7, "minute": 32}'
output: {"hour": 10, "minute": 11}
